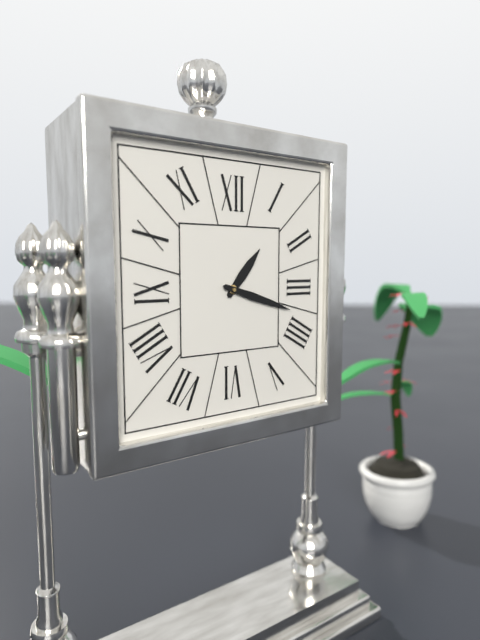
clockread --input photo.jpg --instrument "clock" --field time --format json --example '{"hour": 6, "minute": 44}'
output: {"hour": 1, "minute": 18}
